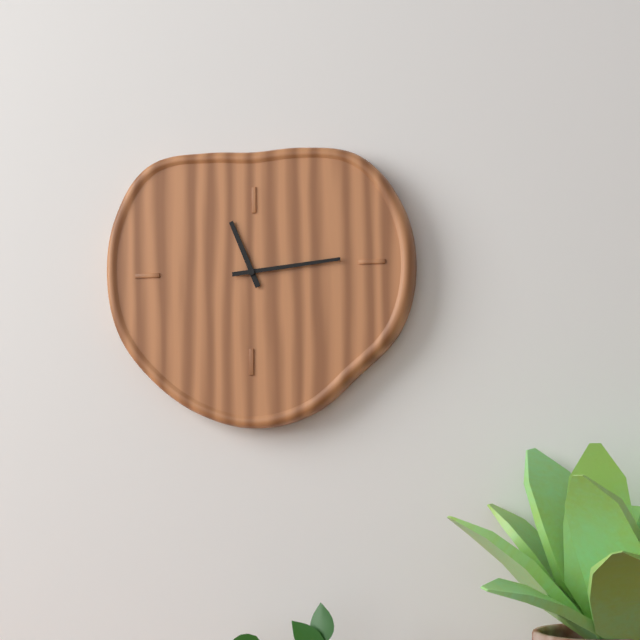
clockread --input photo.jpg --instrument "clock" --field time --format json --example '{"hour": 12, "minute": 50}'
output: {"hour": 11, "minute": 14}
